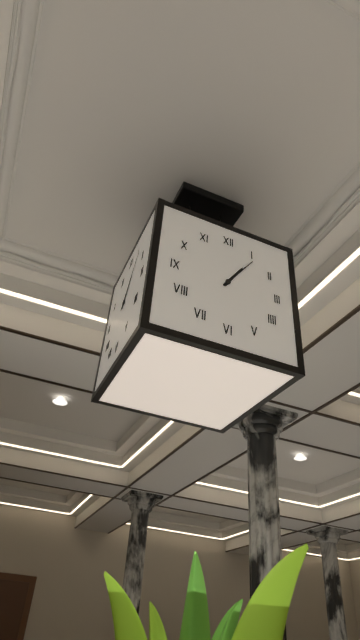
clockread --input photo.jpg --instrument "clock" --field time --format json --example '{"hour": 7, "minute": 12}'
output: {"hour": 1, "minute": 6}
